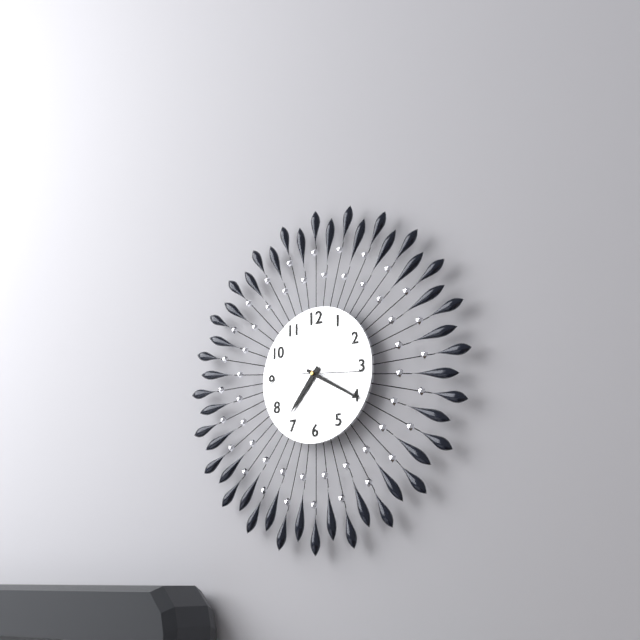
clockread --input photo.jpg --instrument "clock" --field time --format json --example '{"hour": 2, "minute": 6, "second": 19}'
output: {"hour": 7, "minute": 20, "second": 16}
